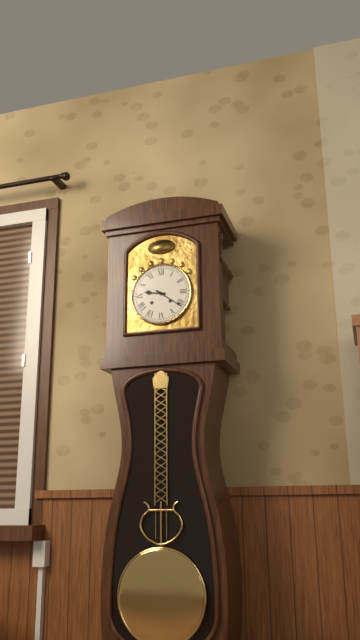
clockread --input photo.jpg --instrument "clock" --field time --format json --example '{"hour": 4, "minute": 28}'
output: {"hour": 9, "minute": 21}
